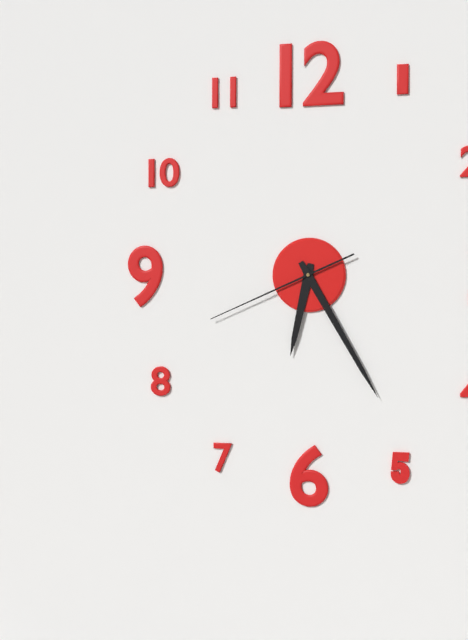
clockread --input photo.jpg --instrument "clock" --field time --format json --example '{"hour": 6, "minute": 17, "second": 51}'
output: {"hour": 6, "minute": 25, "second": 41}
